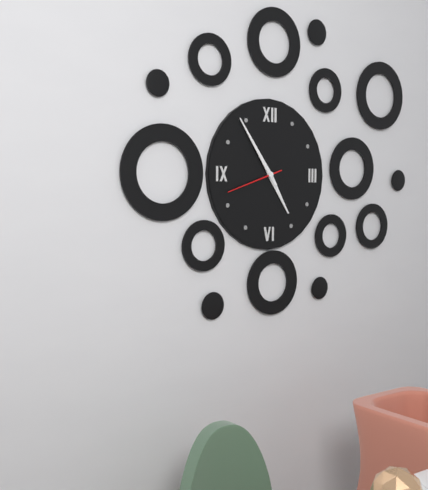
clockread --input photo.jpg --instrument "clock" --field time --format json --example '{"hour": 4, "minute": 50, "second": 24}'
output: {"hour": 4, "minute": 54, "second": 42}
